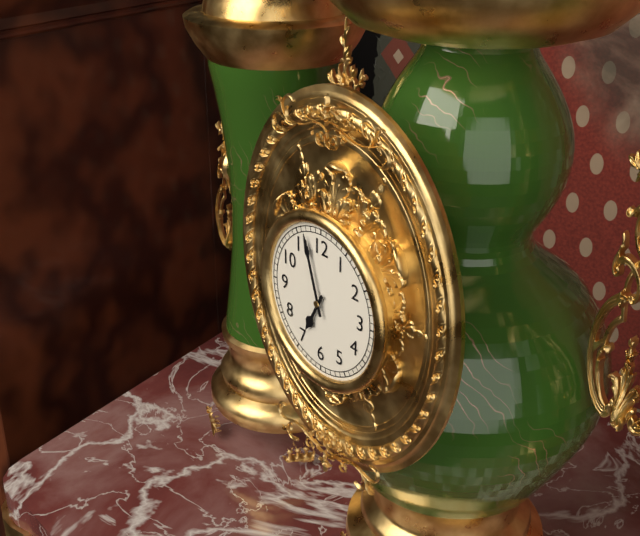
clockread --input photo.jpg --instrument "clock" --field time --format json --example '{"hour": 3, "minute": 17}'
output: {"hour": 6, "minute": 57}
